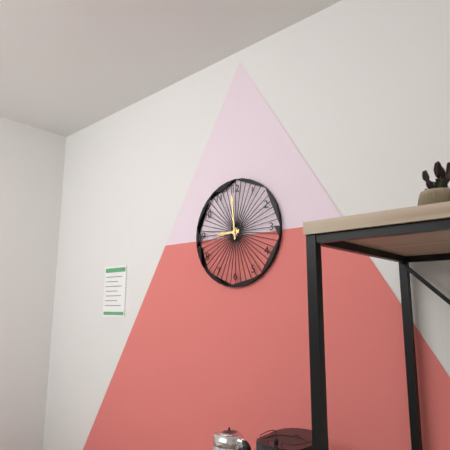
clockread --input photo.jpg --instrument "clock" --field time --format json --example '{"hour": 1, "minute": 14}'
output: {"hour": 8, "minute": 59}
